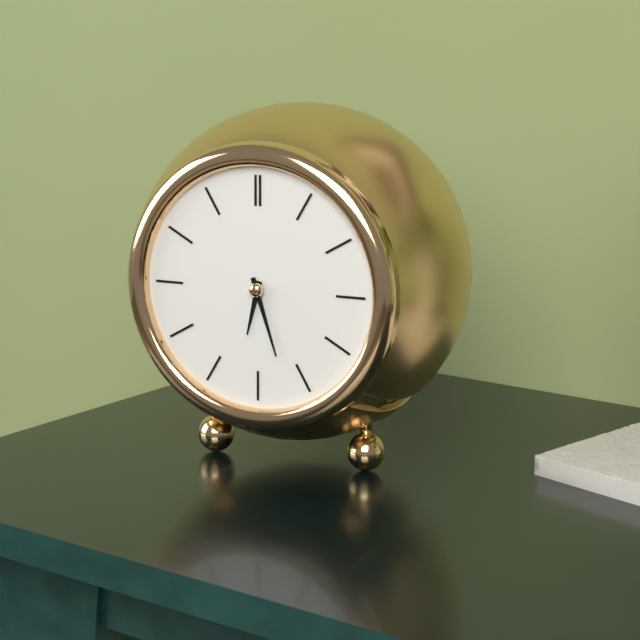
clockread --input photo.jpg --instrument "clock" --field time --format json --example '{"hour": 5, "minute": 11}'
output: {"hour": 6, "minute": 27}
